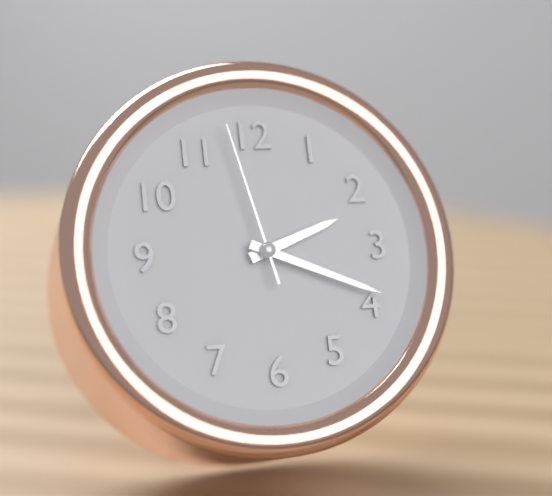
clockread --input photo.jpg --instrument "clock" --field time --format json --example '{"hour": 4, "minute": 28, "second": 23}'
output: {"hour": 2, "minute": 19, "second": 58}
